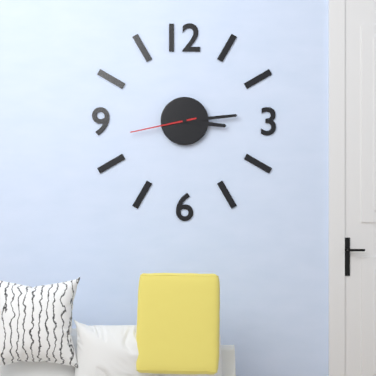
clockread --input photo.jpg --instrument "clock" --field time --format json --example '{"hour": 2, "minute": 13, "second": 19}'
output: {"hour": 3, "minute": 14, "second": 43}
